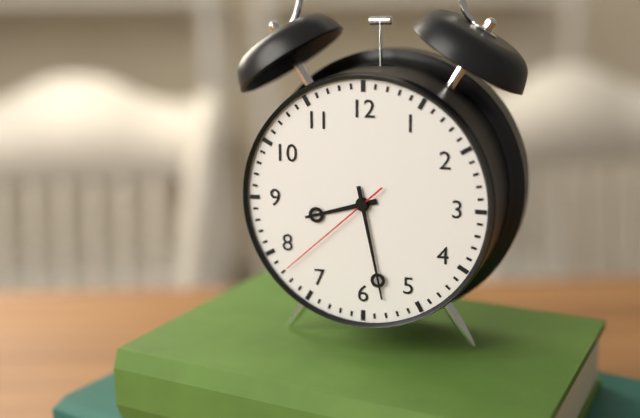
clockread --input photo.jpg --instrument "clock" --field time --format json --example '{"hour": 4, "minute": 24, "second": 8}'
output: {"hour": 8, "minute": 28, "second": 38}
